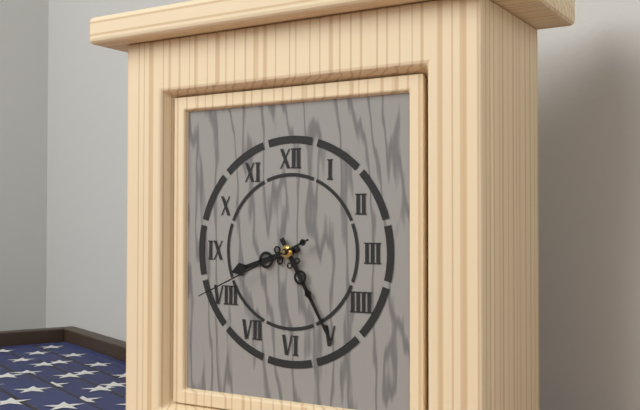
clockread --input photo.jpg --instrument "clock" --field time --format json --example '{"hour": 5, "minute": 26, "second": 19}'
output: {"hour": 8, "minute": 25, "second": 41}
